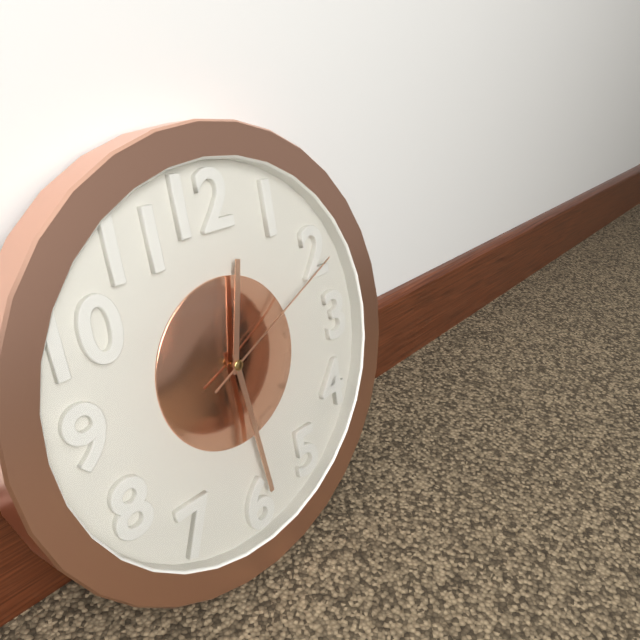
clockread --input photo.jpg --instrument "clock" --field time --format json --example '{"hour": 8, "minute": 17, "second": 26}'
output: {"hour": 12, "minute": 29, "second": 11}
